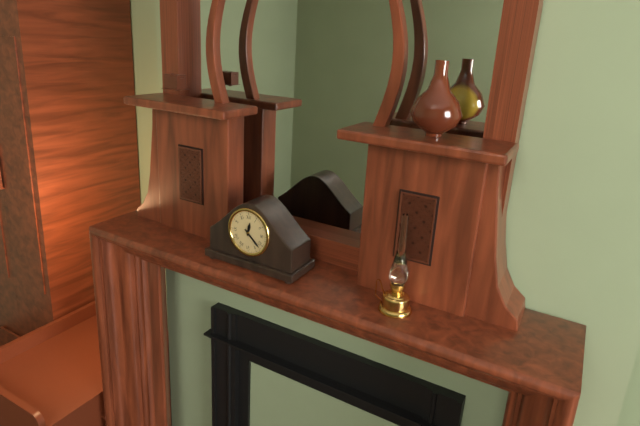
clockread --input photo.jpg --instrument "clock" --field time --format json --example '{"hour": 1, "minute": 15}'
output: {"hour": 12, "minute": 22}
